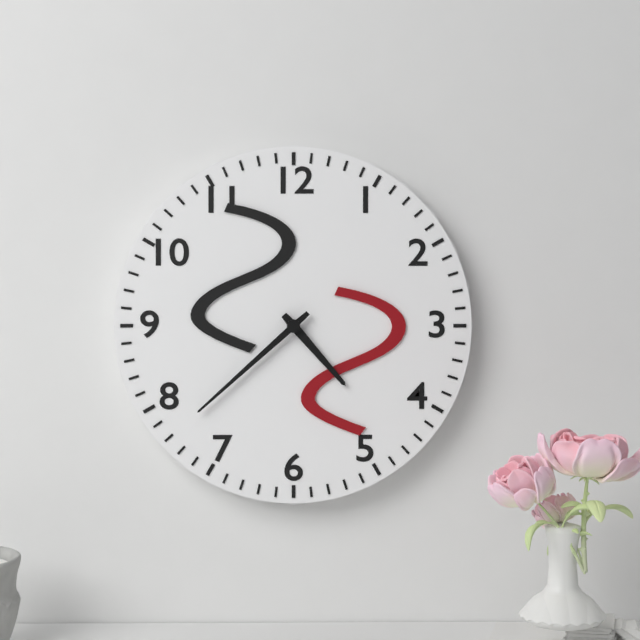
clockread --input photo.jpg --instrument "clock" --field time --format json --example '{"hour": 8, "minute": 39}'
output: {"hour": 4, "minute": 38}
